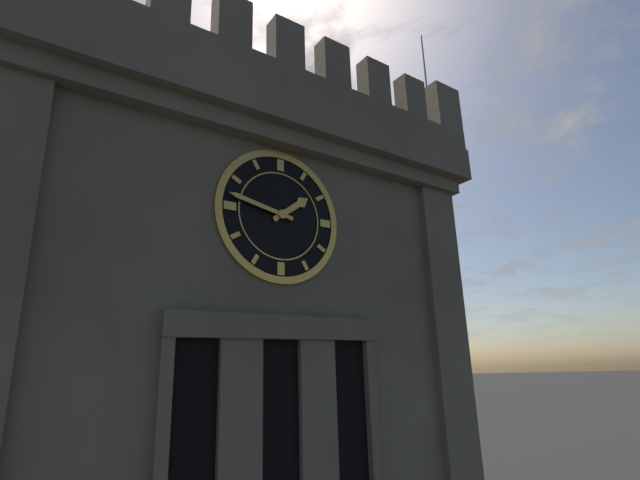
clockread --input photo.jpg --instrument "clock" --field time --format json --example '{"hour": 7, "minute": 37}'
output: {"hour": 1, "minute": 47}
